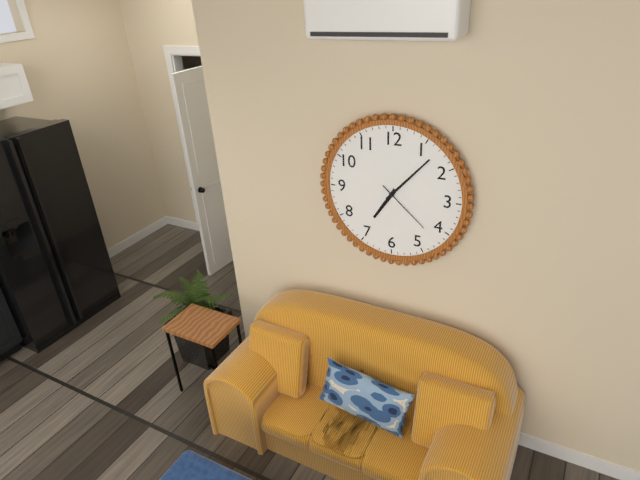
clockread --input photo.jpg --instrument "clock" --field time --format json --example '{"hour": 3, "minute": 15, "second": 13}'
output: {"hour": 7, "minute": 7, "second": 22}
